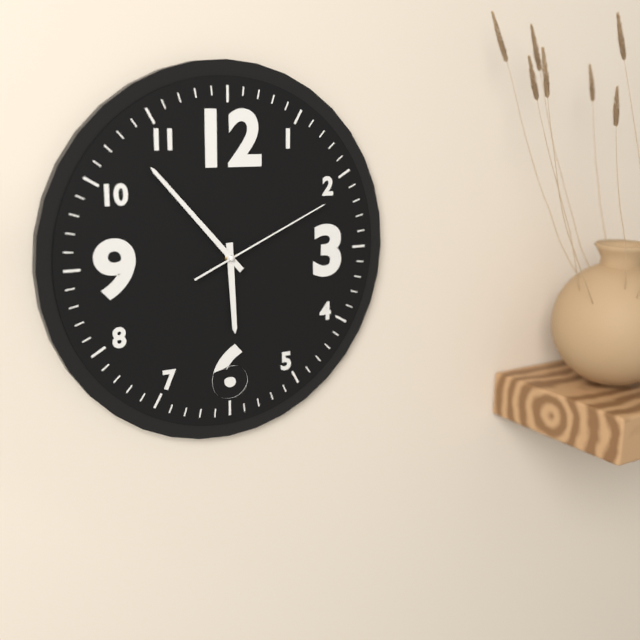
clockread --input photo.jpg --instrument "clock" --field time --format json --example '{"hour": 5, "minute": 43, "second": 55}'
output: {"hour": 5, "minute": 53, "second": 11}
